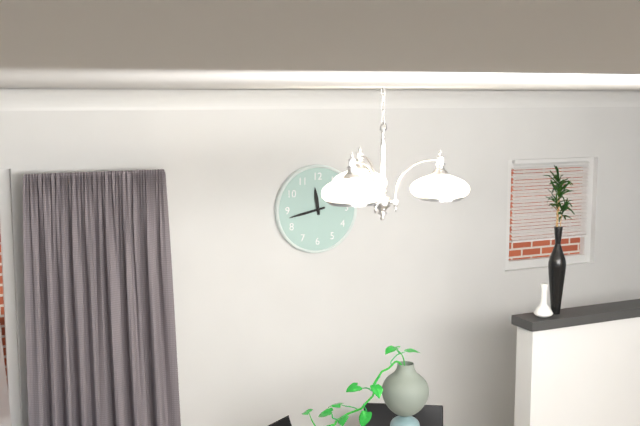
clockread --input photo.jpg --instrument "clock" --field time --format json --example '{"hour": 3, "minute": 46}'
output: {"hour": 11, "minute": 43}
